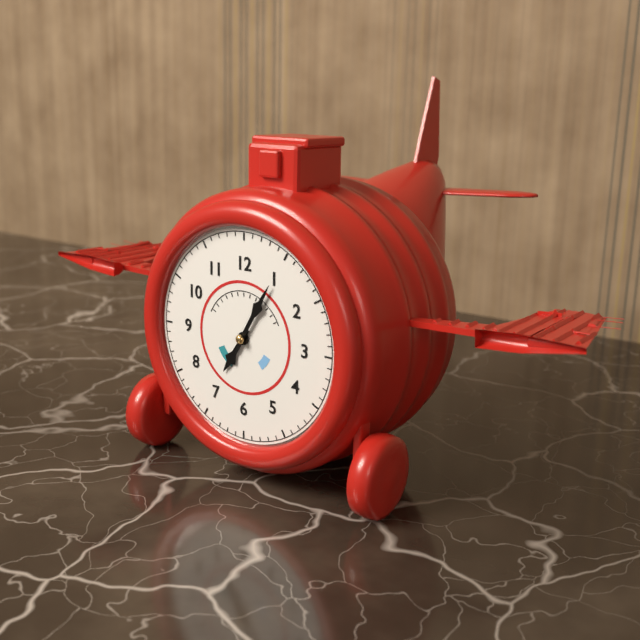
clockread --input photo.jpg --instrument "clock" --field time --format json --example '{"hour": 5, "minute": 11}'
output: {"hour": 7, "minute": 5}
